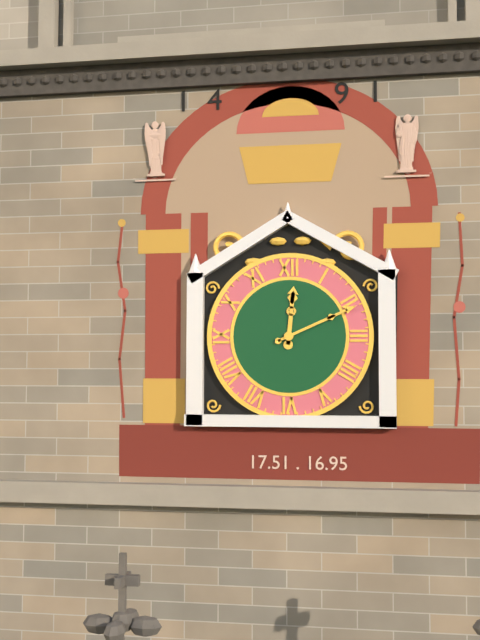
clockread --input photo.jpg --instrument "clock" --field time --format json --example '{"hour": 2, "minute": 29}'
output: {"hour": 12, "minute": 11}
